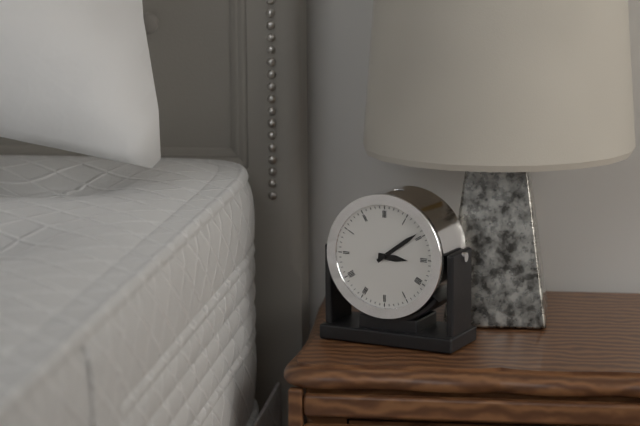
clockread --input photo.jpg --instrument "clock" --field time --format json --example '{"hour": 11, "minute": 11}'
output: {"hour": 3, "minute": 9}
